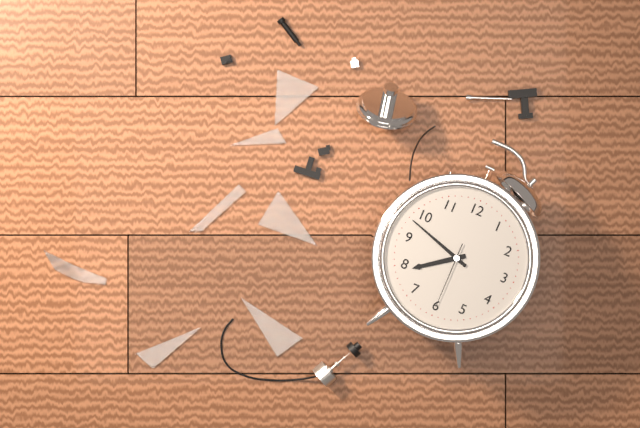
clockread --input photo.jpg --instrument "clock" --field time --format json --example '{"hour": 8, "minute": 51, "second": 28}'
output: {"hour": 7, "minute": 48, "second": 30}
